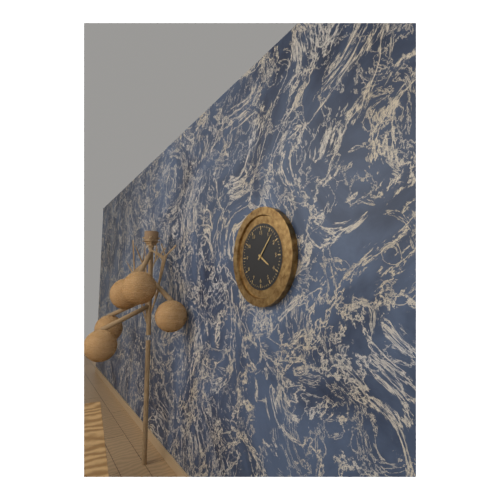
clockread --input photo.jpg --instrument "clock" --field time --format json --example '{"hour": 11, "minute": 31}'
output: {"hour": 4, "minute": 7}
